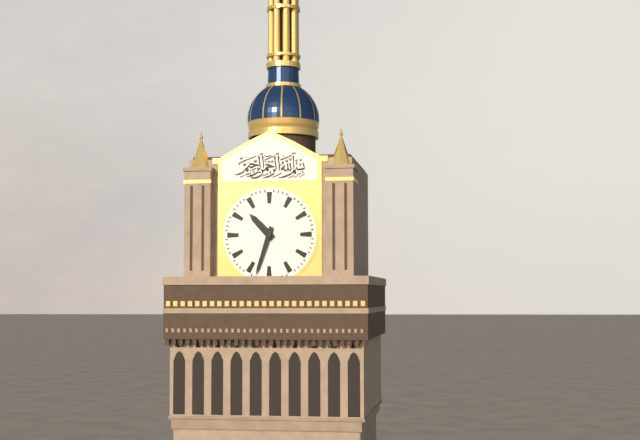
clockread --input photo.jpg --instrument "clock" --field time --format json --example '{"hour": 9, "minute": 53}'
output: {"hour": 10, "minute": 33}
